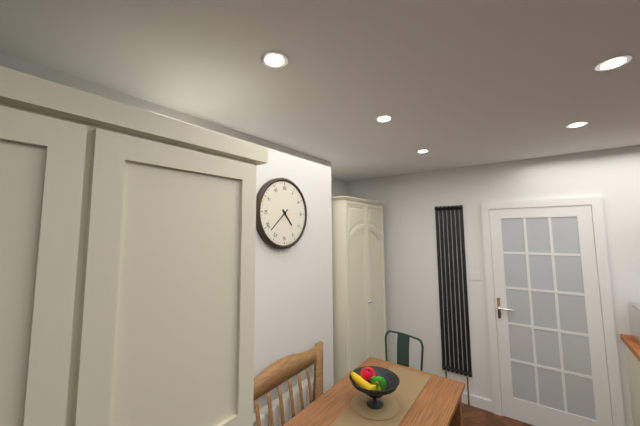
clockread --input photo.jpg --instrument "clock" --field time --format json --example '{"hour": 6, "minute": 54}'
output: {"hour": 4, "minute": 38}
